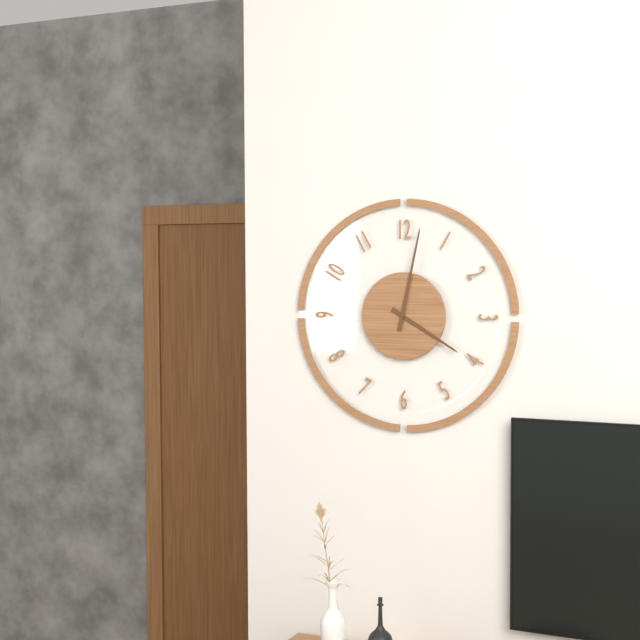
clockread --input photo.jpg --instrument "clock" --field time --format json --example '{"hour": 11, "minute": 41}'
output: {"hour": 4, "minute": 2}
